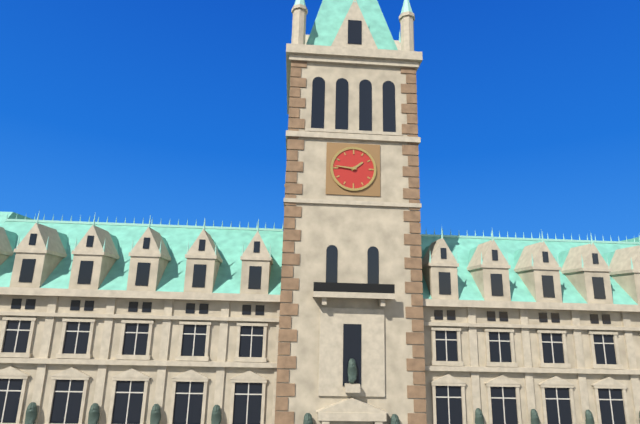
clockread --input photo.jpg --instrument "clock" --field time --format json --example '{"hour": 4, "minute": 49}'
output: {"hour": 1, "minute": 46}
